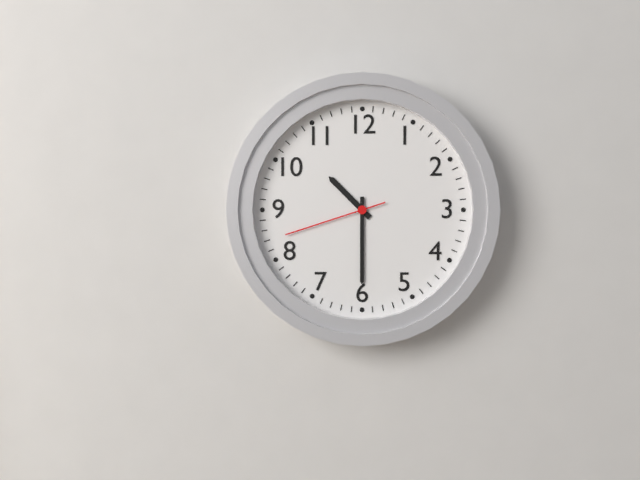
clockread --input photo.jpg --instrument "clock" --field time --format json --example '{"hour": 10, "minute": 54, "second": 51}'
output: {"hour": 10, "minute": 30, "second": 42}
